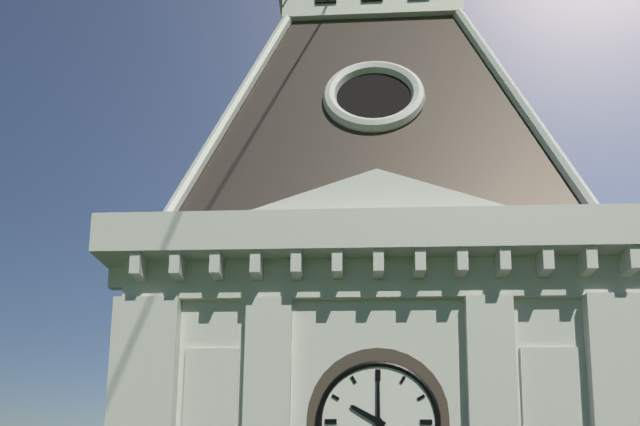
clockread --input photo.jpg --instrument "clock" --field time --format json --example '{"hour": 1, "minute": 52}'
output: {"hour": 10, "minute": 0}
